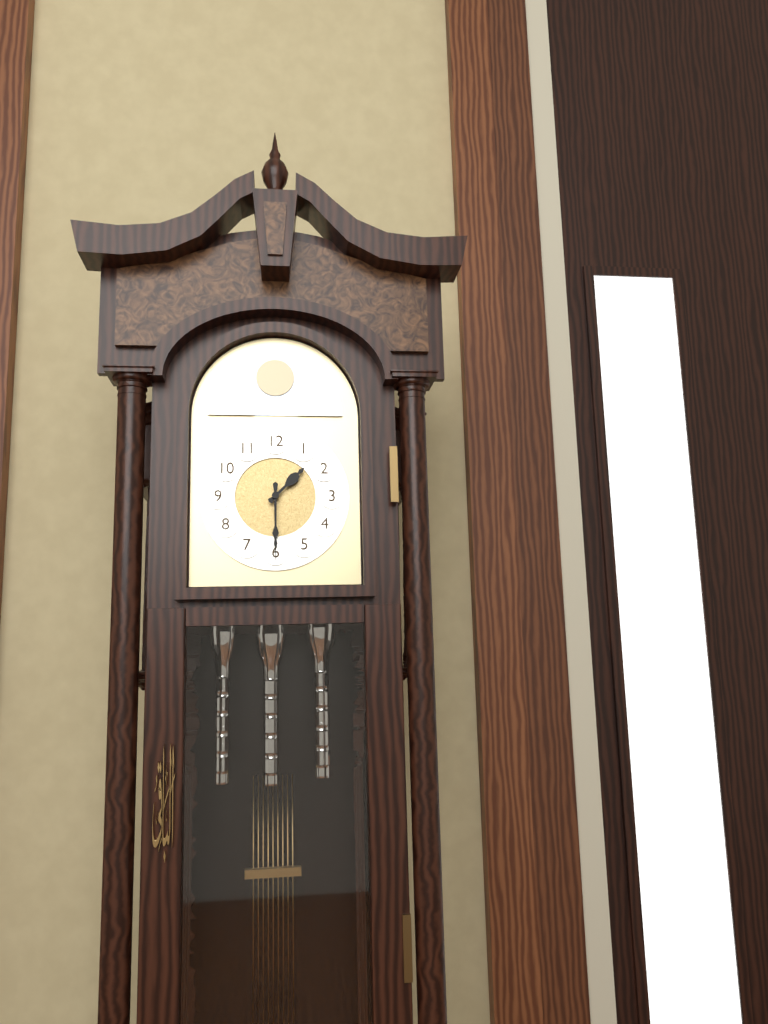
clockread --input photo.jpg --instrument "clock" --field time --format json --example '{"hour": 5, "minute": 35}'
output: {"hour": 1, "minute": 30}
